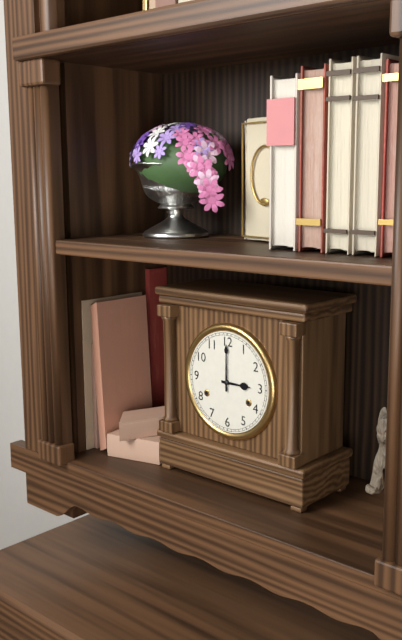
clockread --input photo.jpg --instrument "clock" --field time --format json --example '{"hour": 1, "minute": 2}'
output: {"hour": 3, "minute": 0}
